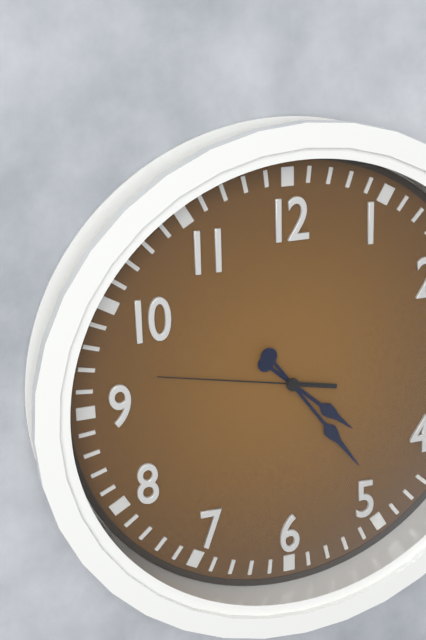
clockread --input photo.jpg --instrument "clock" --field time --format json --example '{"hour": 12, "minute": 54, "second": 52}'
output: {"hour": 4, "minute": 24, "second": 47}
